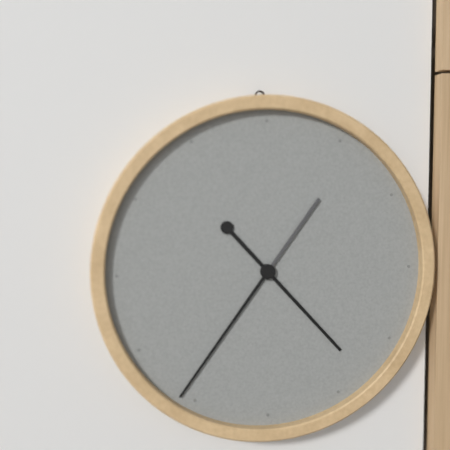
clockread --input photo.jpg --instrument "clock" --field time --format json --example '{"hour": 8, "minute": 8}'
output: {"hour": 4, "minute": 36}
